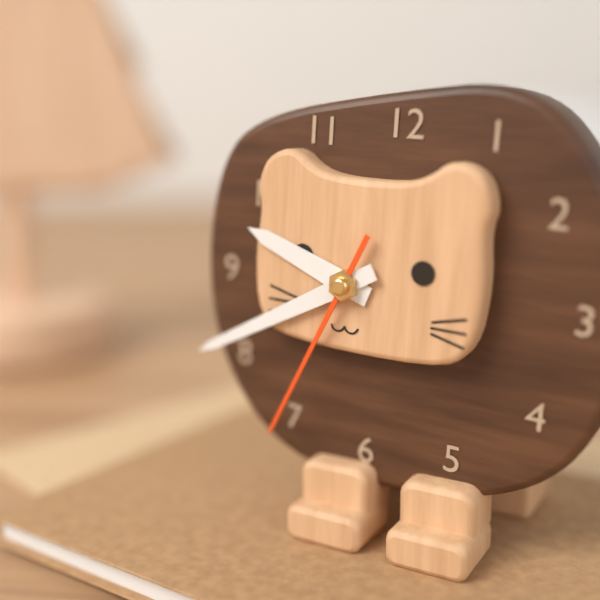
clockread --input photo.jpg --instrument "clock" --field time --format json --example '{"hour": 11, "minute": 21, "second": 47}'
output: {"hour": 9, "minute": 40, "second": 34}
